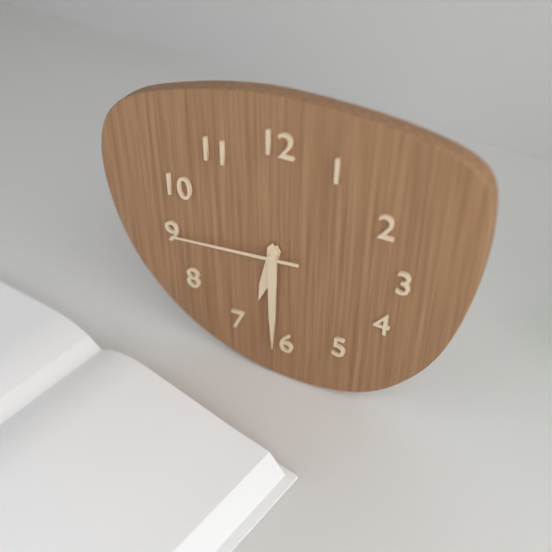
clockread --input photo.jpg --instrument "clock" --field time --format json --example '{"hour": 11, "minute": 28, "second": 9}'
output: {"hour": 6, "minute": 30, "second": 44}
